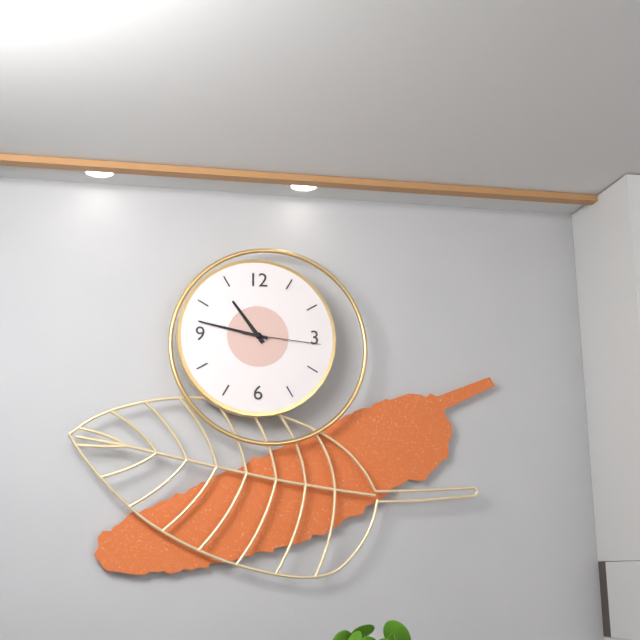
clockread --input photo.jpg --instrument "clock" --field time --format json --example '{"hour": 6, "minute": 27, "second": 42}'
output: {"hour": 10, "minute": 47, "second": 16}
